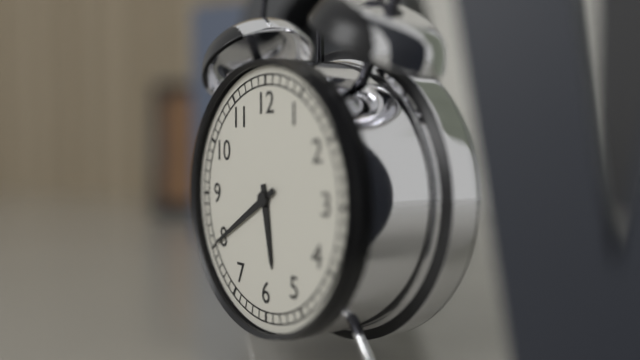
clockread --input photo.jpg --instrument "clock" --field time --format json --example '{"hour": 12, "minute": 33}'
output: {"hour": 5, "minute": 40}
